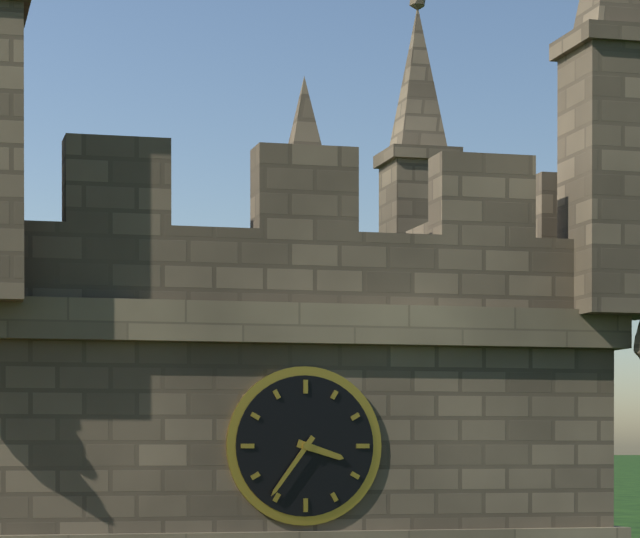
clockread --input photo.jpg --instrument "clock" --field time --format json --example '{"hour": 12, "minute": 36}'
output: {"hour": 3, "minute": 36}
